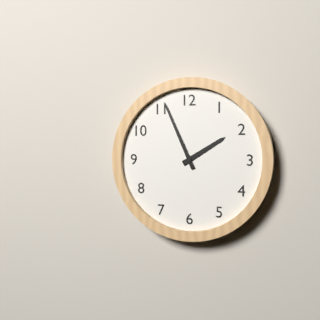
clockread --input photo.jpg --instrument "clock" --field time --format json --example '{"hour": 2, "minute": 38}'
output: {"hour": 1, "minute": 56}
